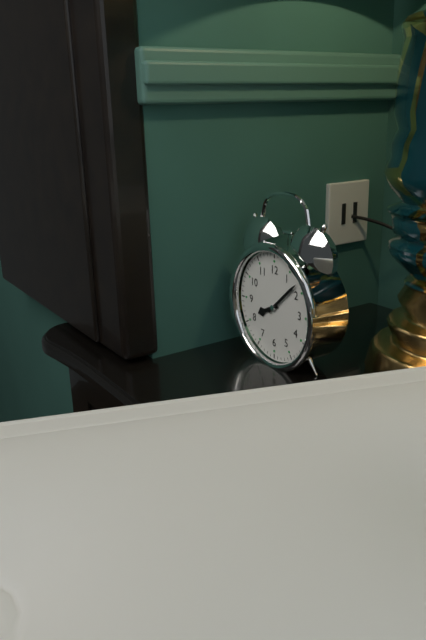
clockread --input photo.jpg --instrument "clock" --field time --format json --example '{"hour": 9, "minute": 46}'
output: {"hour": 8, "minute": 8}
